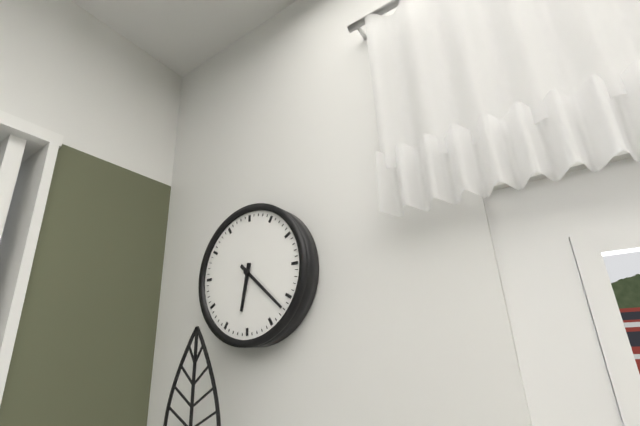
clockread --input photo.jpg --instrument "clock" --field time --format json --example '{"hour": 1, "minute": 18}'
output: {"hour": 6, "minute": 22}
